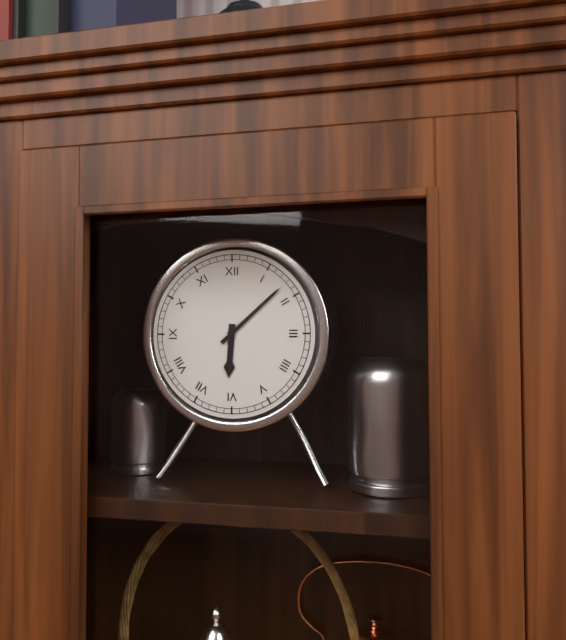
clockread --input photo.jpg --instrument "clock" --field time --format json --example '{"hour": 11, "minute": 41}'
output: {"hour": 6, "minute": 8}
